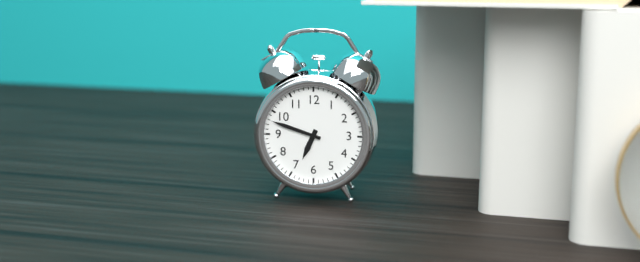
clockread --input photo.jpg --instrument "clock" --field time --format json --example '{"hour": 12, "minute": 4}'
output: {"hour": 6, "minute": 48}
